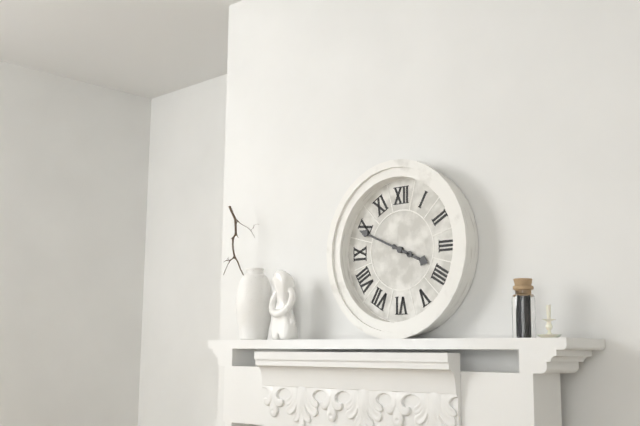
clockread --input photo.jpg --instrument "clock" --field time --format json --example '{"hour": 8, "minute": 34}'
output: {"hour": 3, "minute": 49}
